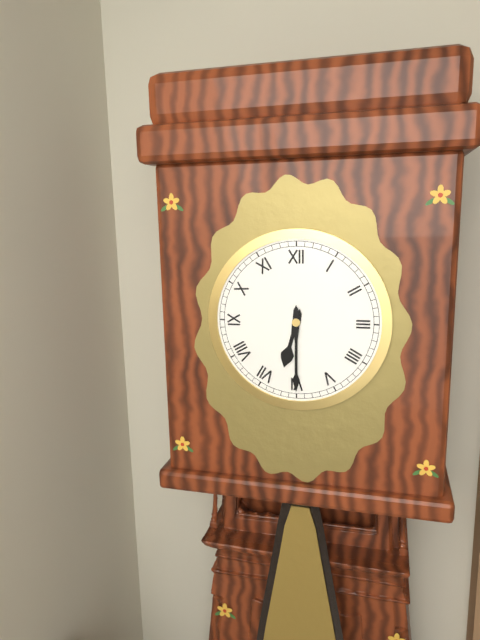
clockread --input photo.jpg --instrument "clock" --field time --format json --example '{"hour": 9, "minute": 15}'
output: {"hour": 6, "minute": 30}
